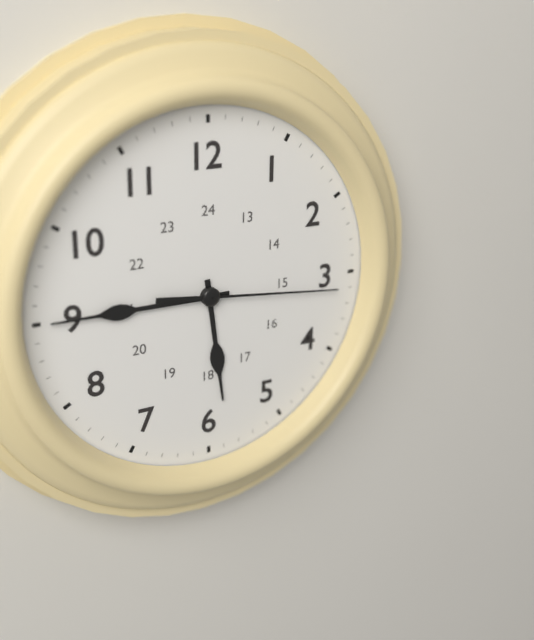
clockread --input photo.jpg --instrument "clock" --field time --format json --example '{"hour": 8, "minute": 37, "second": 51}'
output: {"hour": 5, "minute": 45, "second": 16}
